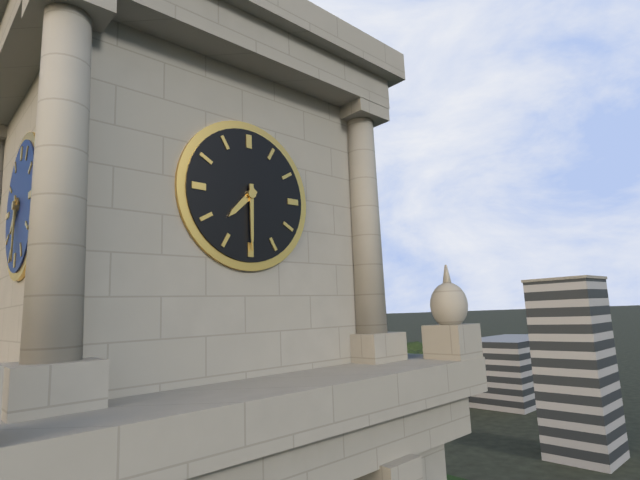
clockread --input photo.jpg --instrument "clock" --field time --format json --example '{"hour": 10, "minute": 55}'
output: {"hour": 7, "minute": 30}
